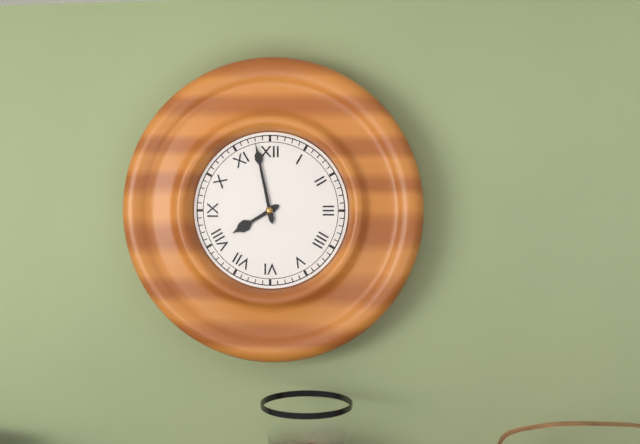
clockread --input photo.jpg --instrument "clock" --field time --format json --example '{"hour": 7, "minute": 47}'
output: {"hour": 7, "minute": 58}
